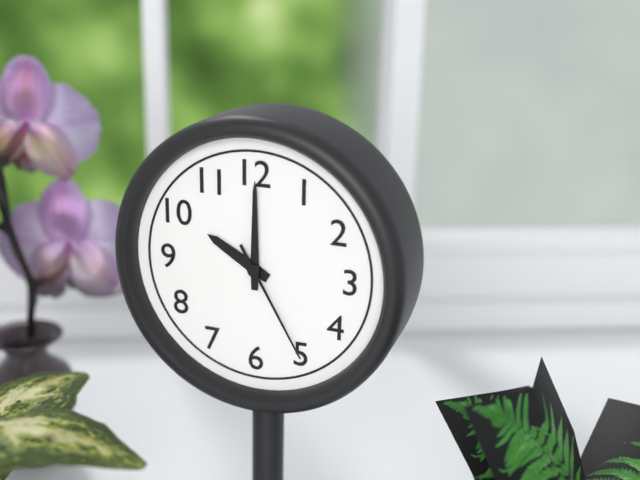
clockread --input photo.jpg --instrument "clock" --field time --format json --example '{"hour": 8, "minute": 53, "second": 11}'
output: {"hour": 10, "minute": 0, "second": 25}
